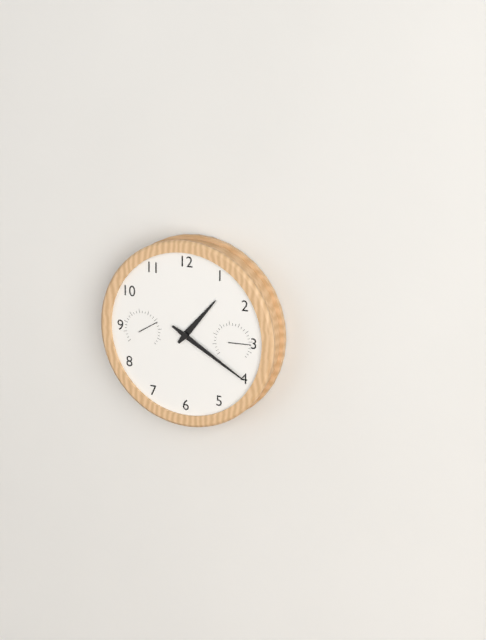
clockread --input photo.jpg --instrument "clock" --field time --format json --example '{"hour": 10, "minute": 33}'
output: {"hour": 1, "minute": 20}
